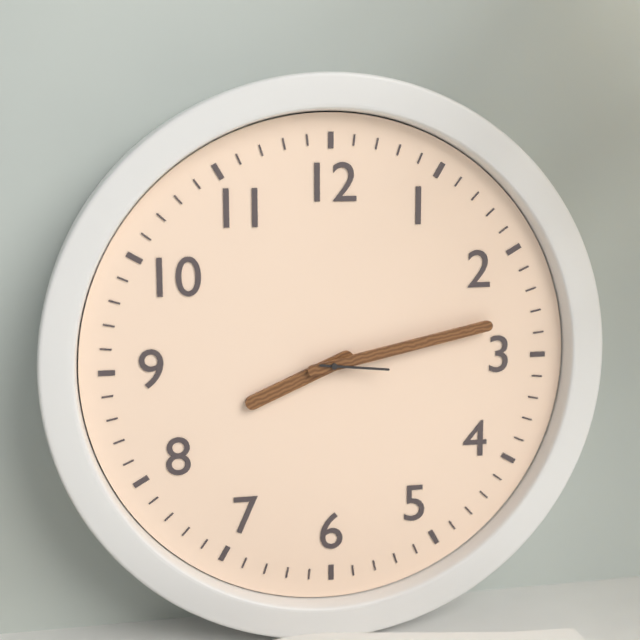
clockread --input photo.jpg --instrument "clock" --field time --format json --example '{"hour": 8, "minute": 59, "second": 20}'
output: {"hour": 8, "minute": 13, "second": 16}
